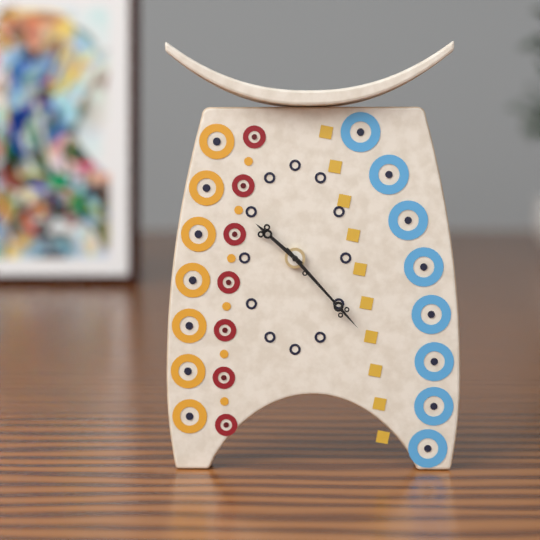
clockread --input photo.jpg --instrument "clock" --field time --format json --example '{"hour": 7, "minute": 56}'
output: {"hour": 10, "minute": 23}
